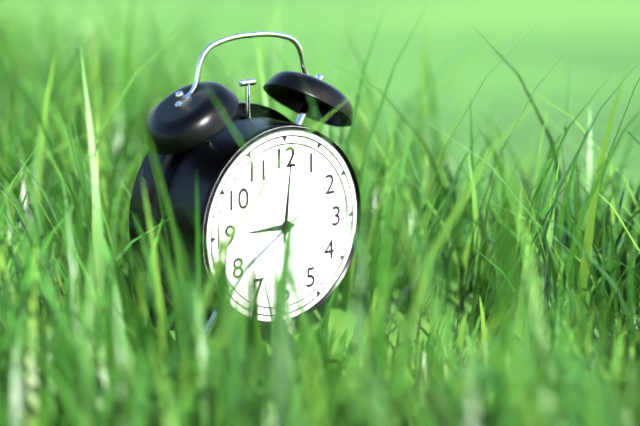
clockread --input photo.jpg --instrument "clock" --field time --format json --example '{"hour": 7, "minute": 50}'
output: {"hour": 9, "minute": 1}
